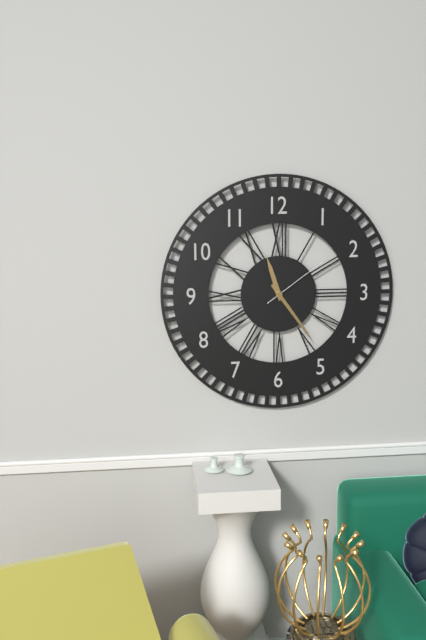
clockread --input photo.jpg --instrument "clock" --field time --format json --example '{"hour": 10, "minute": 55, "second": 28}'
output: {"hour": 11, "minute": 24, "second": 9}
